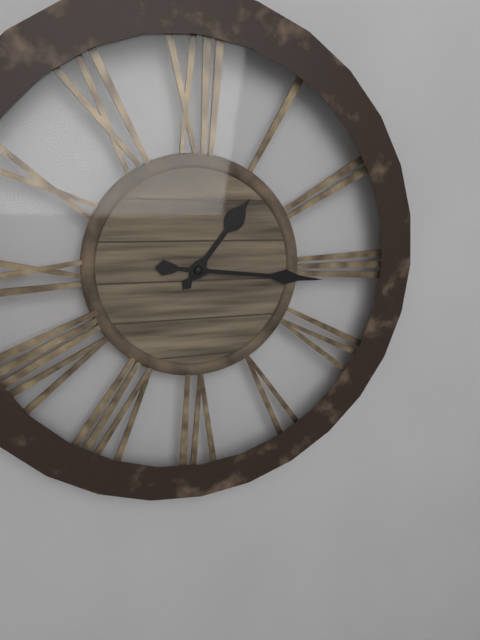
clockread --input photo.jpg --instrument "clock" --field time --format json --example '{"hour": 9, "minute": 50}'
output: {"hour": 1, "minute": 16}
